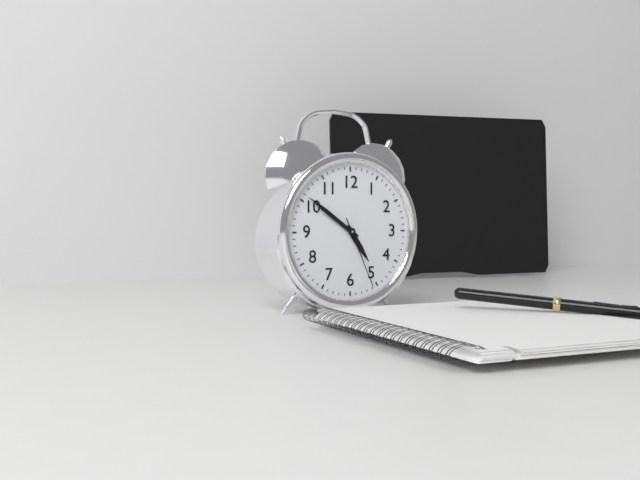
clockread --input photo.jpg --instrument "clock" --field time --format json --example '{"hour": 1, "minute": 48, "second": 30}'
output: {"hour": 4, "minute": 51, "second": 26}
